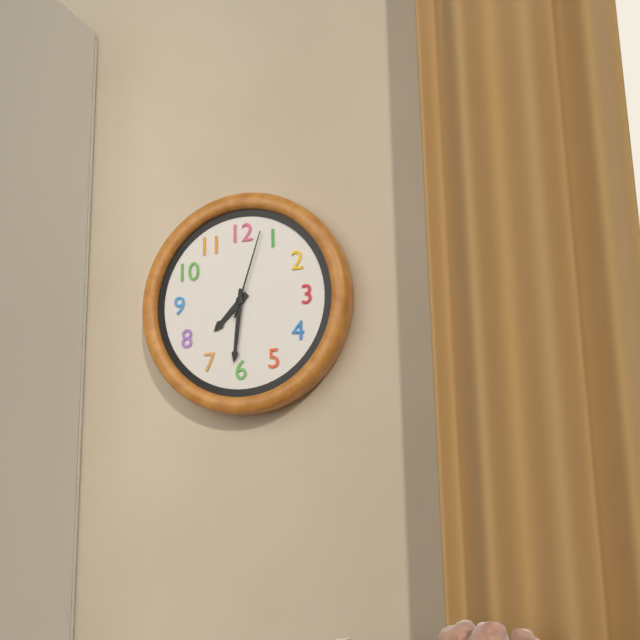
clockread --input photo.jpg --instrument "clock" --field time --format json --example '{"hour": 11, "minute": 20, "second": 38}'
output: {"hour": 7, "minute": 31, "second": 3}
